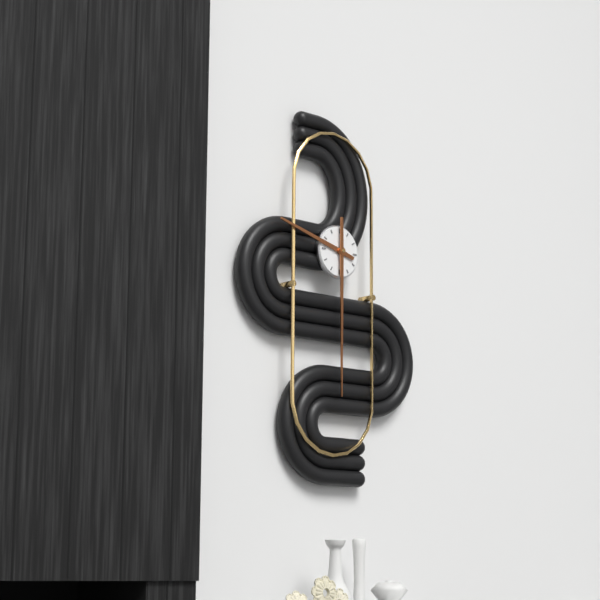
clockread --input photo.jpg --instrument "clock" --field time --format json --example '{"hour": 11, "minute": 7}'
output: {"hour": 9, "minute": 30}
